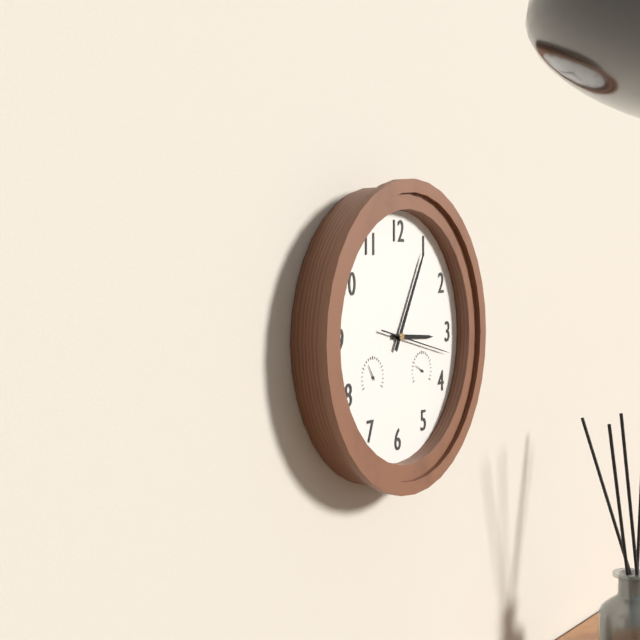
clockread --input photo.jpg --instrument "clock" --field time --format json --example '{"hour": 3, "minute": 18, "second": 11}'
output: {"hour": 3, "minute": 5, "second": 17}
